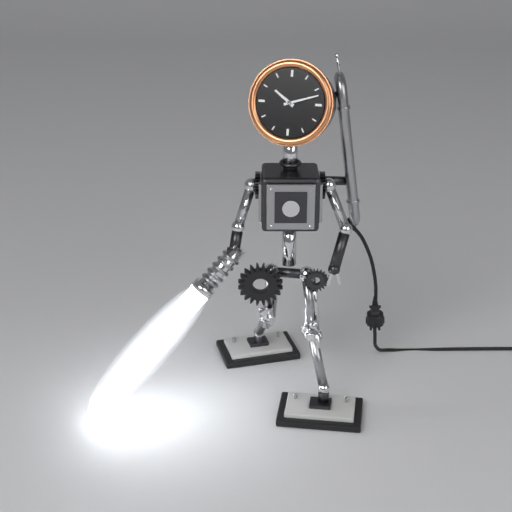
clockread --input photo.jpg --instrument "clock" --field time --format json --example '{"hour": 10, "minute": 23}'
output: {"hour": 10, "minute": 12}
